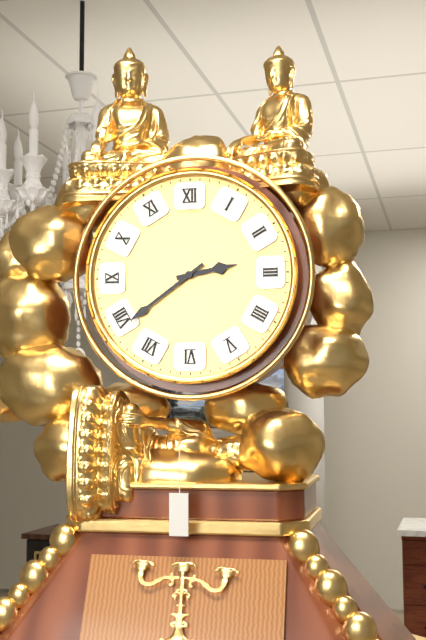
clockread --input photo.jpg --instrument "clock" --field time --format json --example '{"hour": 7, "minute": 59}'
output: {"hour": 2, "minute": 39}
